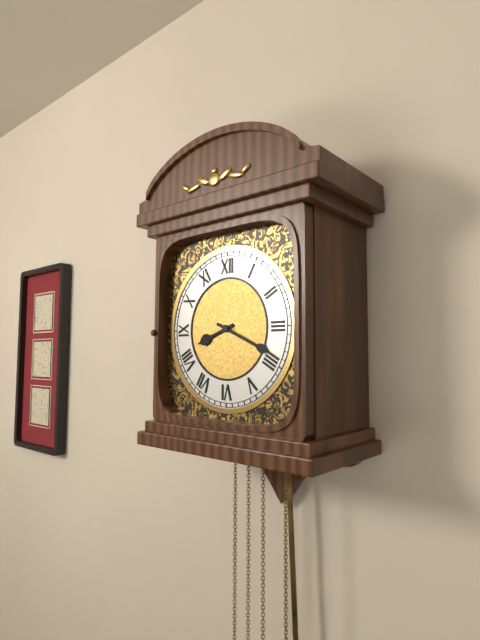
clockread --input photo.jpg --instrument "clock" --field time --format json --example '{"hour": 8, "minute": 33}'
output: {"hour": 8, "minute": 19}
